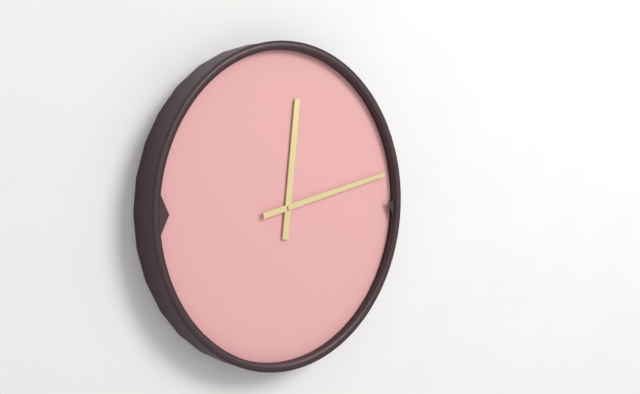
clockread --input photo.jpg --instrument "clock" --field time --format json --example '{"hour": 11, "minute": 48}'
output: {"hour": 12, "minute": 13}
